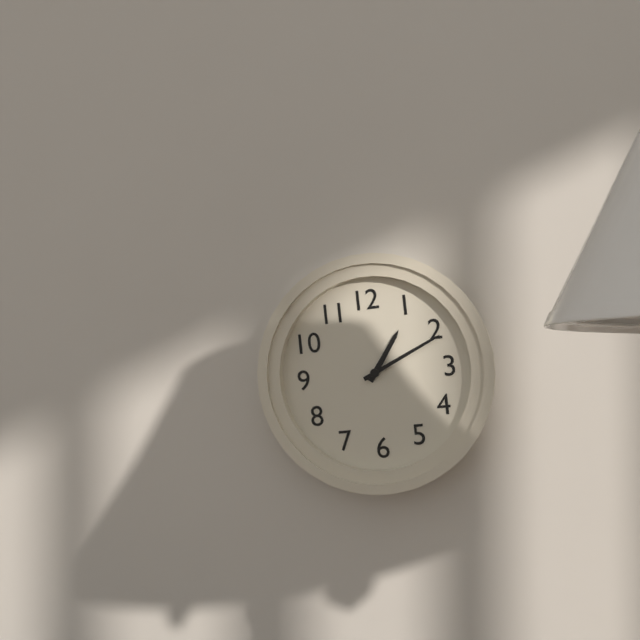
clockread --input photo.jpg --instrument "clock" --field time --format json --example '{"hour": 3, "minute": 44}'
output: {"hour": 1, "minute": 11}
